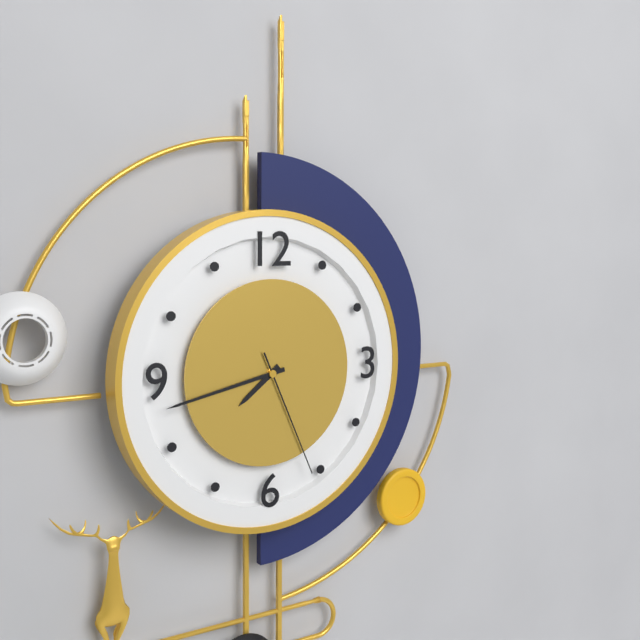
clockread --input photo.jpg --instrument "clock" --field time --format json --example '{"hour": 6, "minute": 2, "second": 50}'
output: {"hour": 7, "minute": 43, "second": 26}
